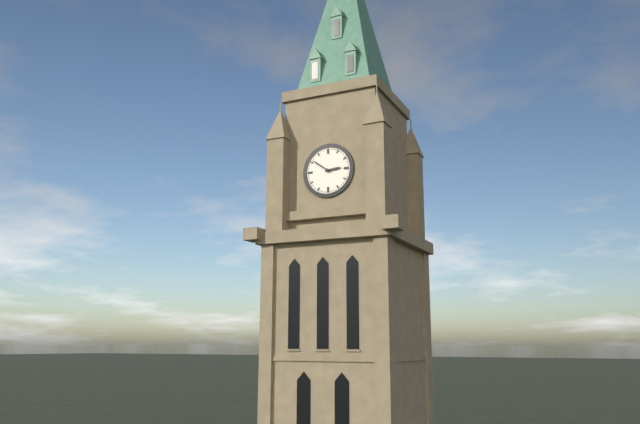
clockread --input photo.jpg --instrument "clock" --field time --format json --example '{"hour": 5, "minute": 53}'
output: {"hour": 2, "minute": 51}
